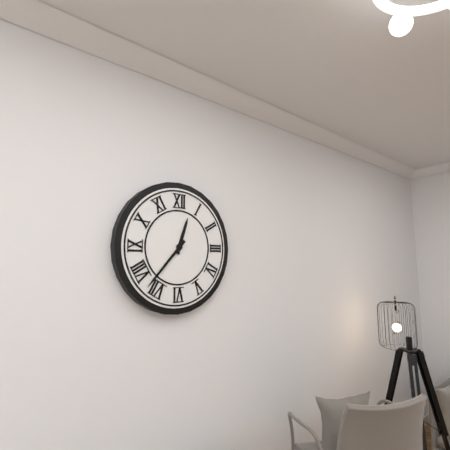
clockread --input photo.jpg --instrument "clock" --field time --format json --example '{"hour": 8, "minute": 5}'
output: {"hour": 12, "minute": 37}
